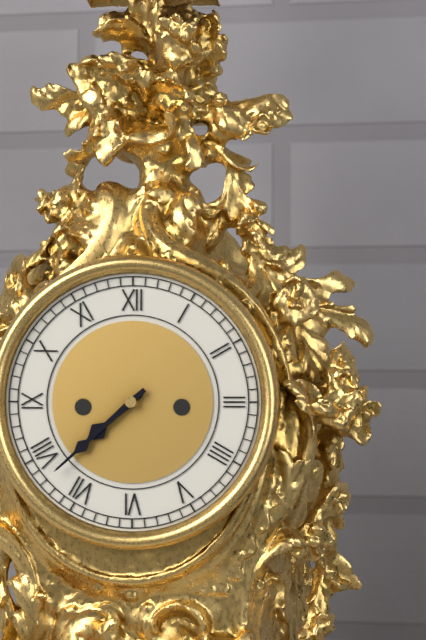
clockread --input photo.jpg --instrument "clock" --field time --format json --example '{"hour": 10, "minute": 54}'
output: {"hour": 7, "minute": 38}
